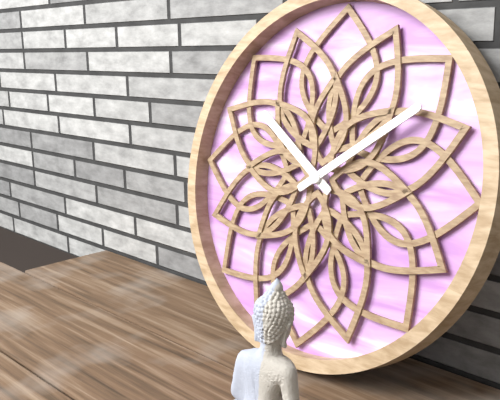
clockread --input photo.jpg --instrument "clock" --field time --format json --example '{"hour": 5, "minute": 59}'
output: {"hour": 10, "minute": 9}
